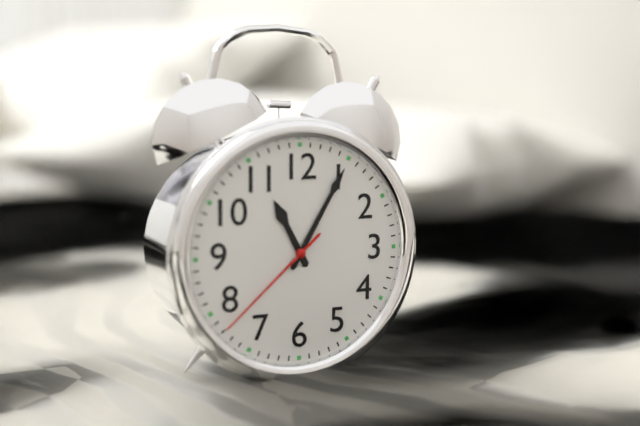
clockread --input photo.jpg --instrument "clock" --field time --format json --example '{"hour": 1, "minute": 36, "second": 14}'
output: {"hour": 11, "minute": 5, "second": 38}
